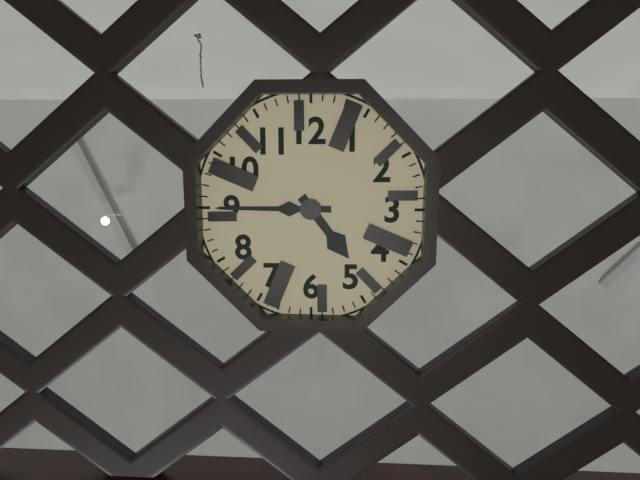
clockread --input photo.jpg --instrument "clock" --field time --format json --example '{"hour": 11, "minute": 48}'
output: {"hour": 4, "minute": 45}
